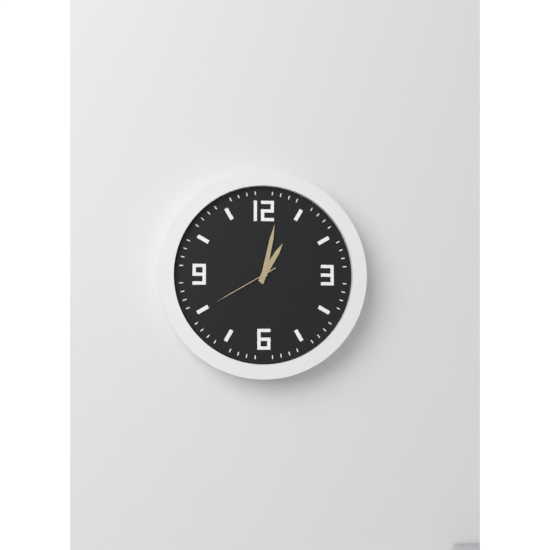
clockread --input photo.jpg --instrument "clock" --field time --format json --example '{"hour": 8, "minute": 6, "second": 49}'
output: {"hour": 1, "minute": 2, "second": 40}
